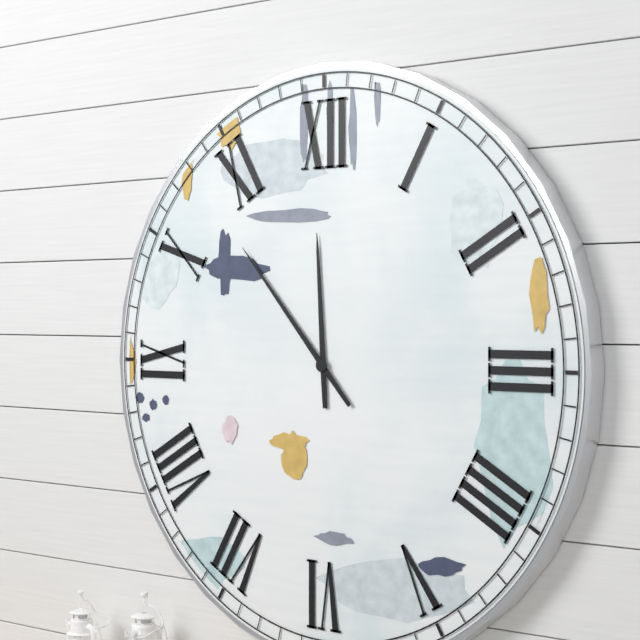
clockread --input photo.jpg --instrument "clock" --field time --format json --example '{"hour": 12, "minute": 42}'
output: {"hour": 11, "minute": 53}
